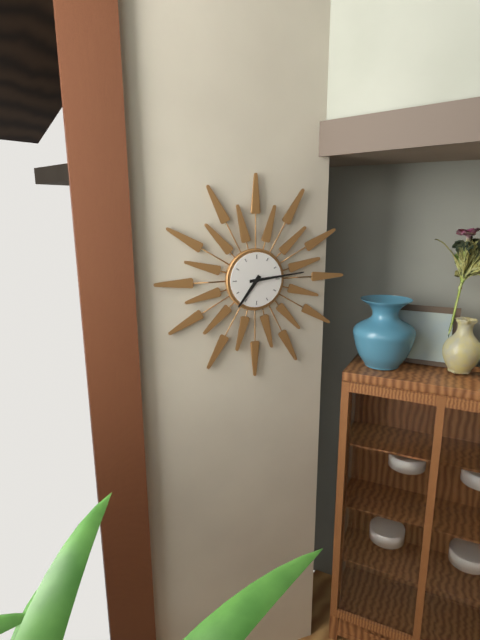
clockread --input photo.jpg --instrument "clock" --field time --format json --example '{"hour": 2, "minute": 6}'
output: {"hour": 7, "minute": 14}
